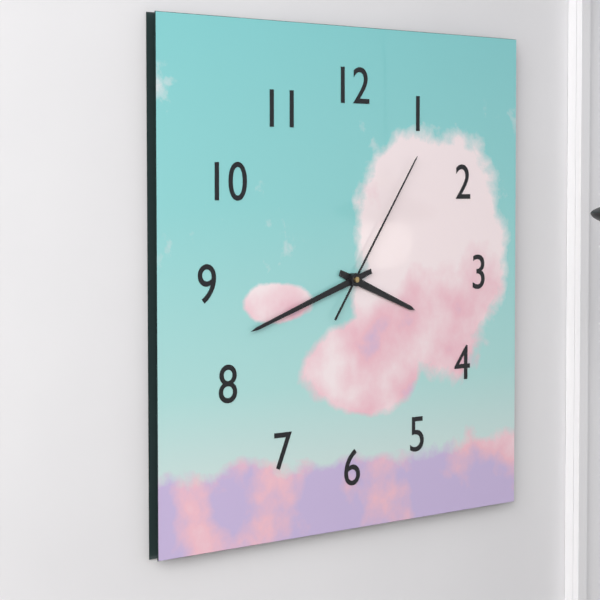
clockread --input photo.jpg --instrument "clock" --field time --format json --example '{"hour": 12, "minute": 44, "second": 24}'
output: {"hour": 3, "minute": 42, "second": 6}
